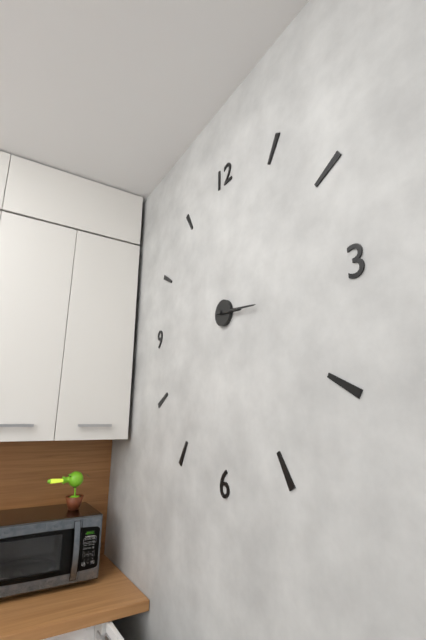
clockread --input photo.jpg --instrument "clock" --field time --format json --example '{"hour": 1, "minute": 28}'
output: {"hour": 3, "minute": 16}
